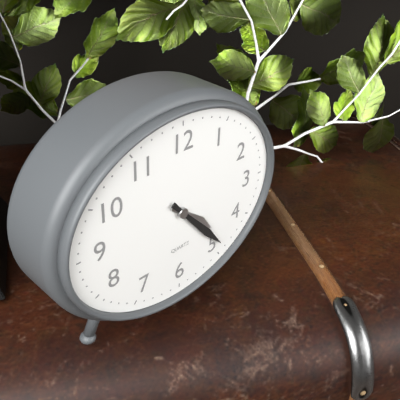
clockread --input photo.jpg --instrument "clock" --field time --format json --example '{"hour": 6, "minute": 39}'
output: {"hour": 4, "minute": 23}
